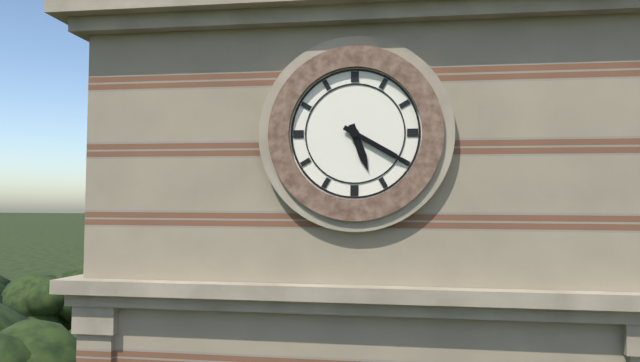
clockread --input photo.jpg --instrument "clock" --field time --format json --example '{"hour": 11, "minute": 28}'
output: {"hour": 5, "minute": 20}
